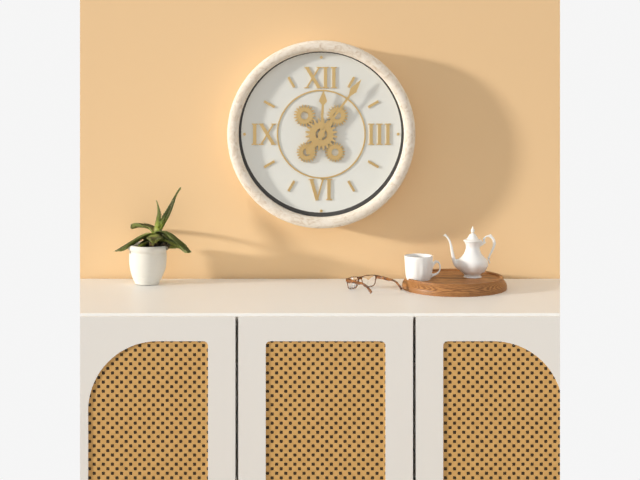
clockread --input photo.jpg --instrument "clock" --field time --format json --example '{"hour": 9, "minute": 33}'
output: {"hour": 12, "minute": 6}
